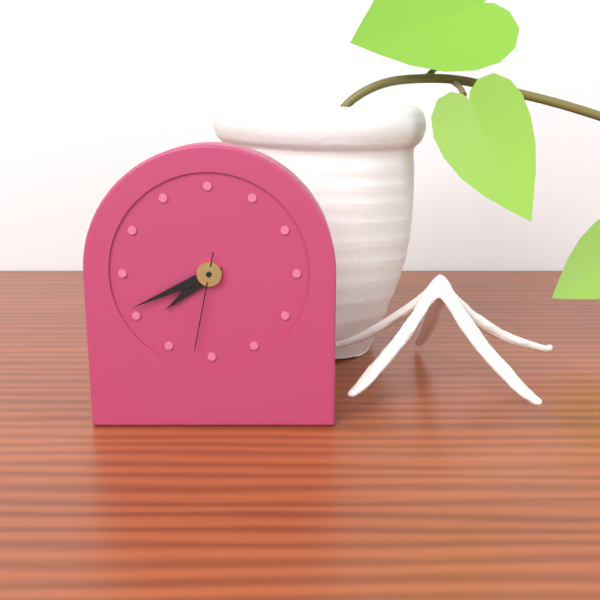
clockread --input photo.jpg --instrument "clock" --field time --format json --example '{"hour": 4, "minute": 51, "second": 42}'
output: {"hour": 7, "minute": 41, "second": 32}
